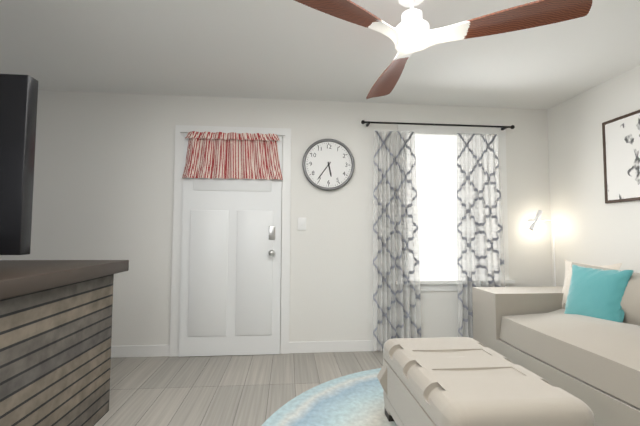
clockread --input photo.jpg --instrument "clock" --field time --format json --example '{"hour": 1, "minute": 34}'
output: {"hour": 5, "minute": 36}
